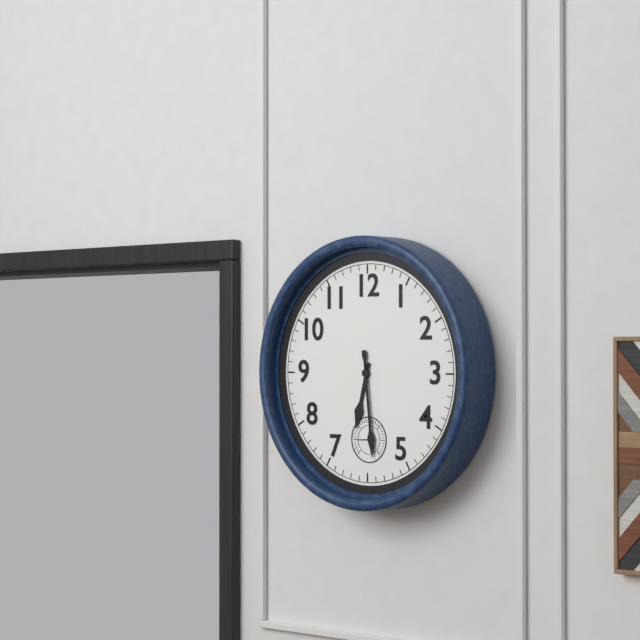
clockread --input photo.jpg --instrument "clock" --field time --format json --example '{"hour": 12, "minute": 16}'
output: {"hour": 6, "minute": 29}
